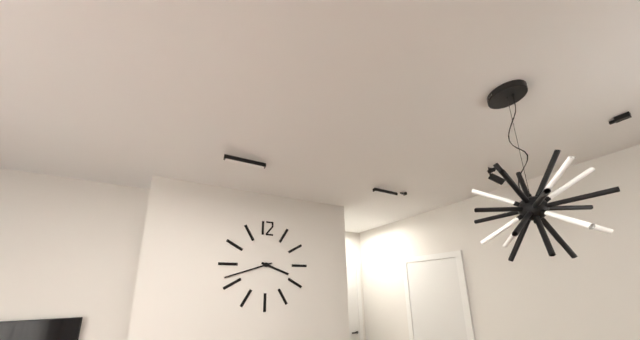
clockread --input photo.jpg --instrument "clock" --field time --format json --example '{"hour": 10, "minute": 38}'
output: {"hour": 3, "minute": 42}
